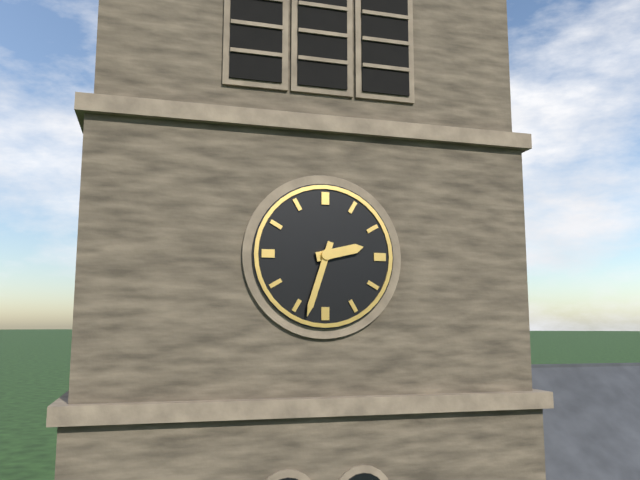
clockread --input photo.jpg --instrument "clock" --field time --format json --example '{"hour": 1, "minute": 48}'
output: {"hour": 2, "minute": 33}
